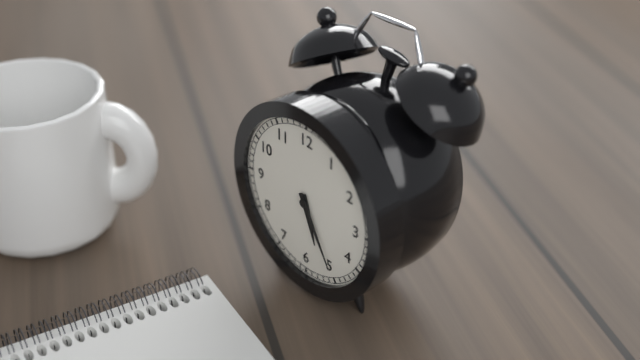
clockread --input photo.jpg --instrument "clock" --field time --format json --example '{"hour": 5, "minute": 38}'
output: {"hour": 5, "minute": 25}
